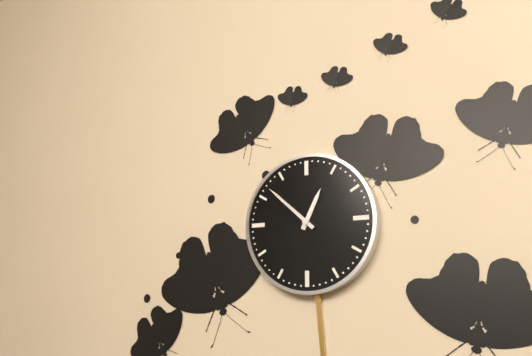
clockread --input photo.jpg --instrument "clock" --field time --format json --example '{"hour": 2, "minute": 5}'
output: {"hour": 12, "minute": 52}
